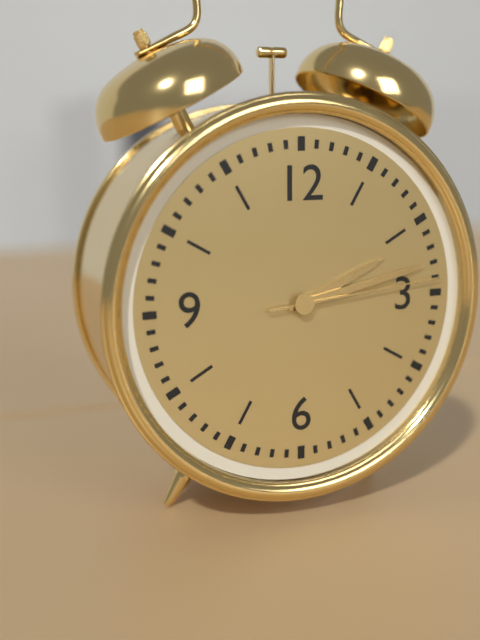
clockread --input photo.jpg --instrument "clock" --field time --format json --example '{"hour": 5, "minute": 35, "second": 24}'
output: {"hour": 2, "minute": 13, "second": 14}
